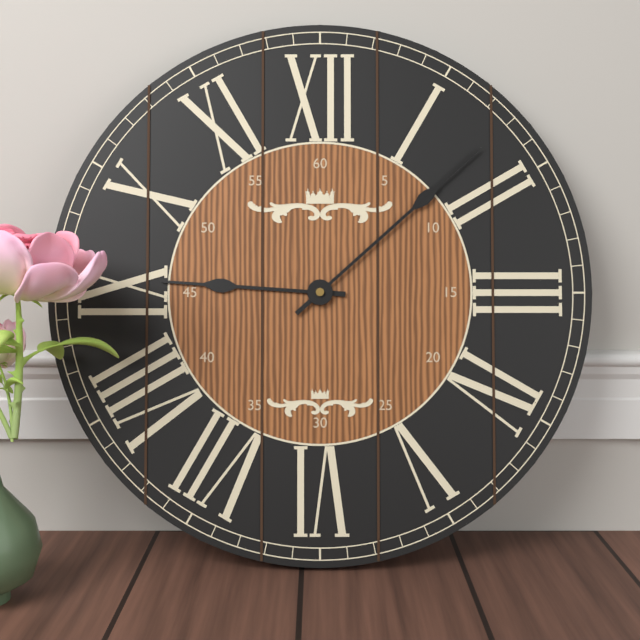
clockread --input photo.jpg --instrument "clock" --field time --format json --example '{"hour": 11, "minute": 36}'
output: {"hour": 9, "minute": 8}
